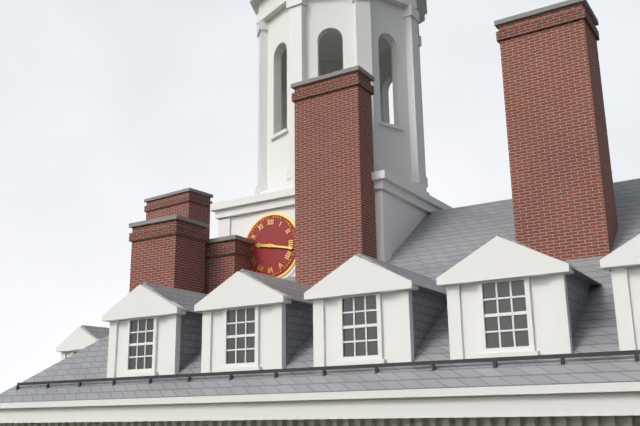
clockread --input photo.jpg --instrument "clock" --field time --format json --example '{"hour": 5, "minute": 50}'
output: {"hour": 9, "minute": 17}
